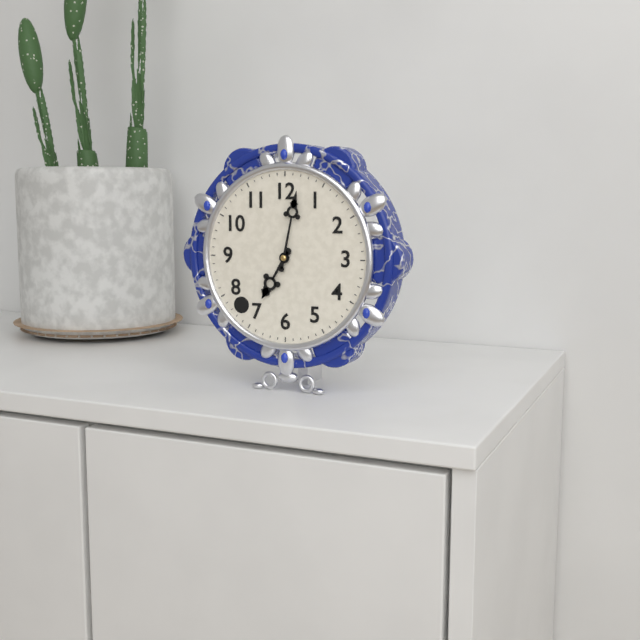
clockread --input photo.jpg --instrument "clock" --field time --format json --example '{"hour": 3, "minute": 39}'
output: {"hour": 7, "minute": 2}
